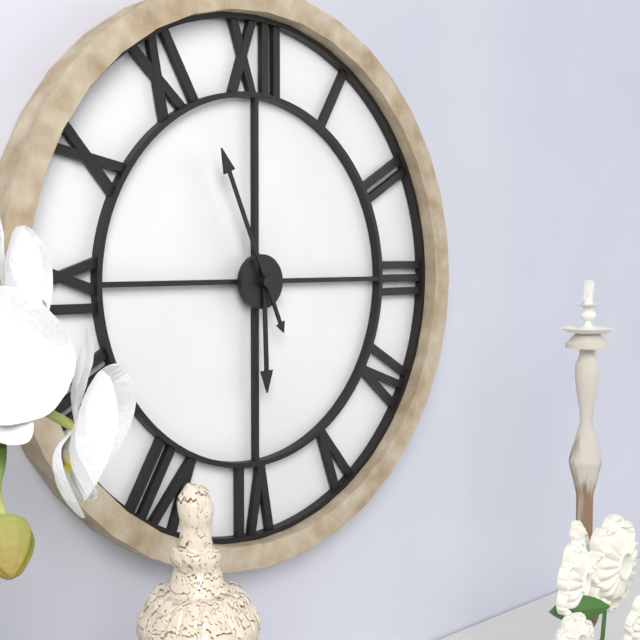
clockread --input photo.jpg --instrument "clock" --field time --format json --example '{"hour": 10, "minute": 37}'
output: {"hour": 5, "minute": 56}
